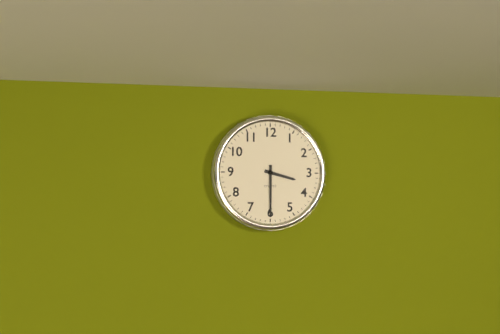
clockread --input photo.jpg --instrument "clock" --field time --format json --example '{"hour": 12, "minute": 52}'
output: {"hour": 3, "minute": 30}
